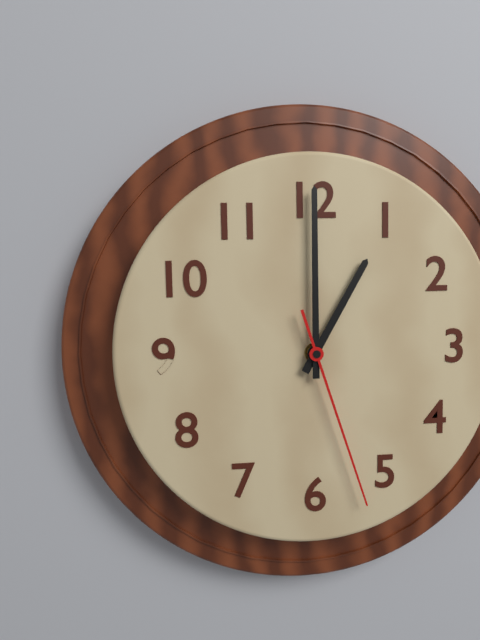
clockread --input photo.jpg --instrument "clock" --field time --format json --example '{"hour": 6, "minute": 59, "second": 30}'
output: {"hour": 1, "minute": 0, "second": 27}
